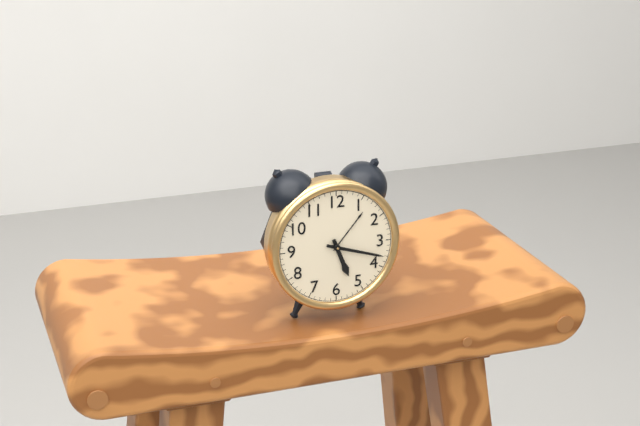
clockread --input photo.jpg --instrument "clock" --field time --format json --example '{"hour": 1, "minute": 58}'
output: {"hour": 5, "minute": 18}
